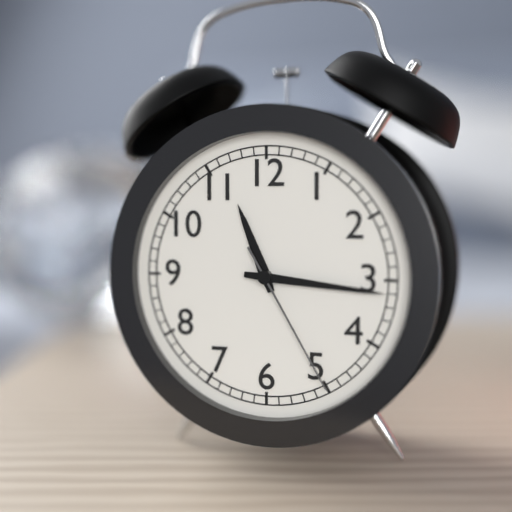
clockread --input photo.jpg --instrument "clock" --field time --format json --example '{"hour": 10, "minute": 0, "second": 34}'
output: {"hour": 11, "minute": 16, "second": 25}
